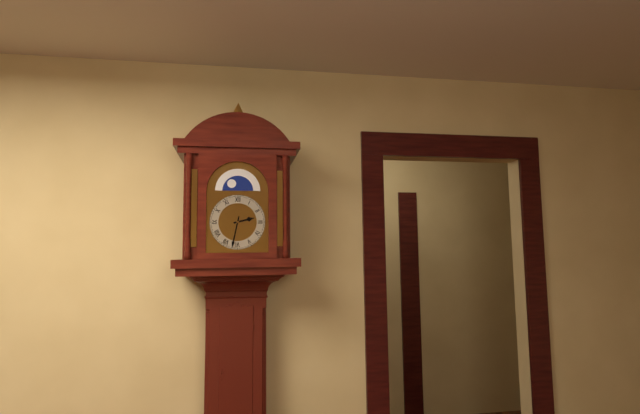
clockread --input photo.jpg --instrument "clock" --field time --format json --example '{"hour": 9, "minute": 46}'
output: {"hour": 2, "minute": 32}
